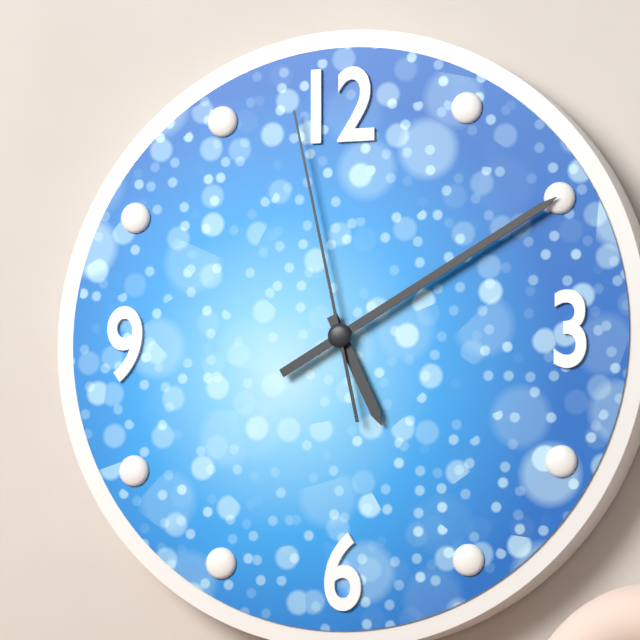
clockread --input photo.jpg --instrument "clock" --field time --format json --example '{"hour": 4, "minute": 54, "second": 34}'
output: {"hour": 5, "minute": 10, "second": 58}
